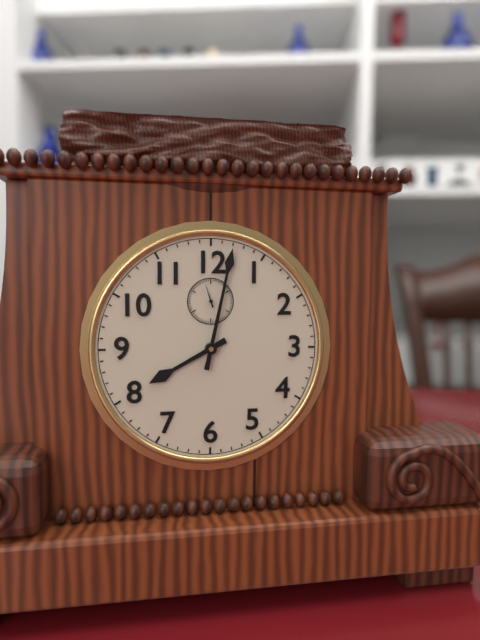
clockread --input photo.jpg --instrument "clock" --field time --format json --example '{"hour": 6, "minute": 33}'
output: {"hour": 8, "minute": 2}
